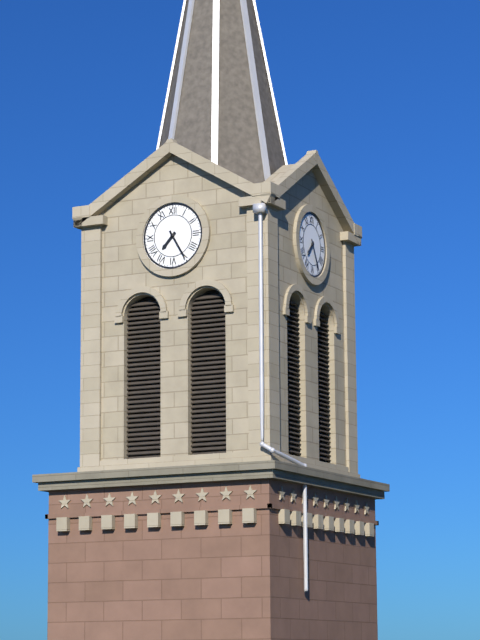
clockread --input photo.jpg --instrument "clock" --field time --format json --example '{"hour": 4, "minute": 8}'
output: {"hour": 7, "minute": 25}
